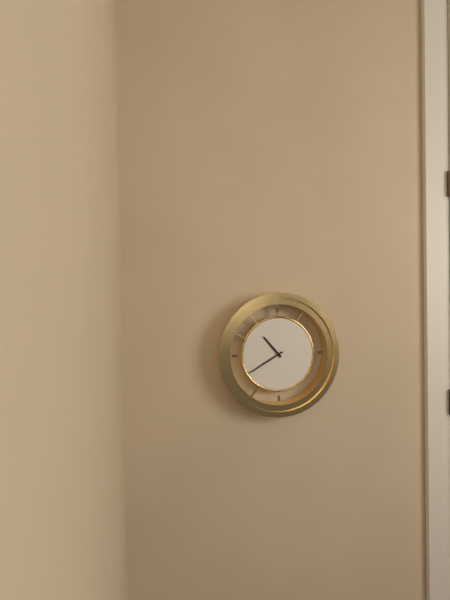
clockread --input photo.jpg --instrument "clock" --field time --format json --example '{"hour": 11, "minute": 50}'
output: {"hour": 10, "minute": 40}
